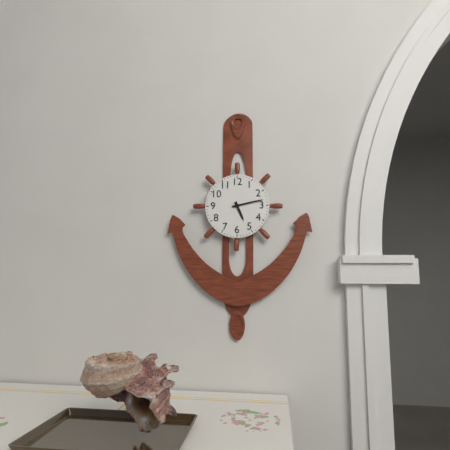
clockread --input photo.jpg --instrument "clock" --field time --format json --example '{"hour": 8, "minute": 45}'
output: {"hour": 5, "minute": 13}
